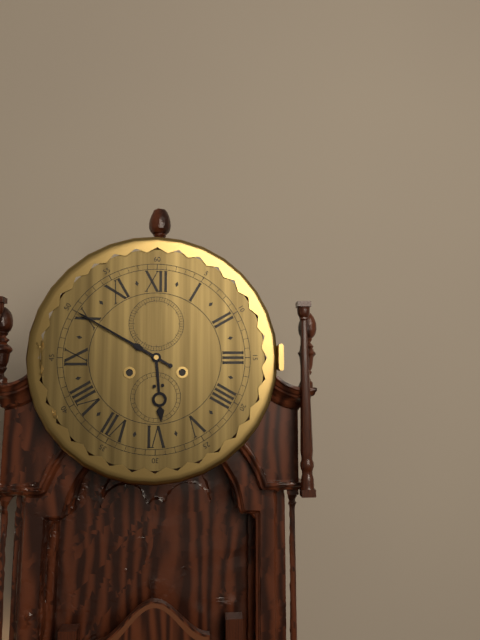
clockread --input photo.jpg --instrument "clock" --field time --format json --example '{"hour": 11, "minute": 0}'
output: {"hour": 5, "minute": 50}
